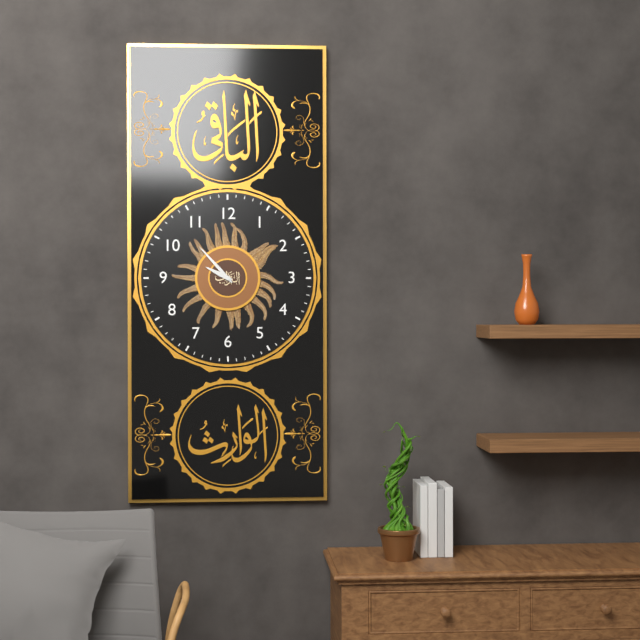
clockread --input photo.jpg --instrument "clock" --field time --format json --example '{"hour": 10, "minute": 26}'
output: {"hour": 9, "minute": 53}
